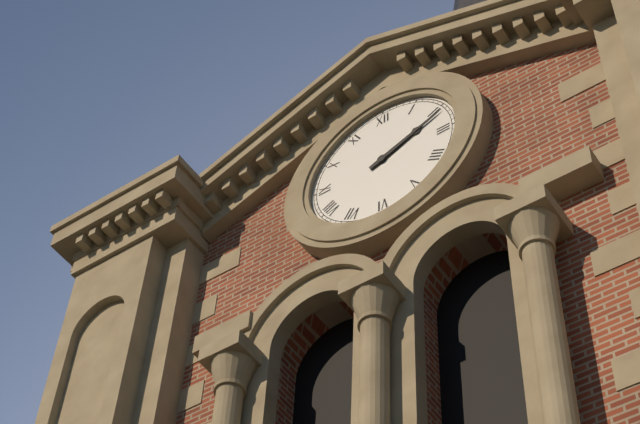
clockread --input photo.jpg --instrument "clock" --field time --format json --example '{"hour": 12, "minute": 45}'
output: {"hour": 2, "minute": 11}
